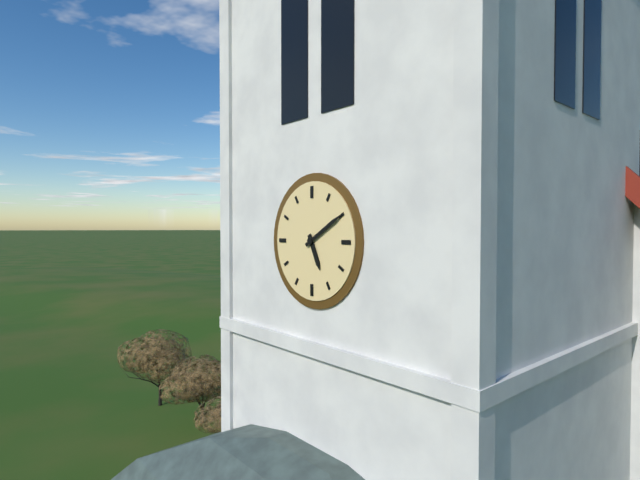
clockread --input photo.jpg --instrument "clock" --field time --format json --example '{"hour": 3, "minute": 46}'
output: {"hour": 5, "minute": 10}
